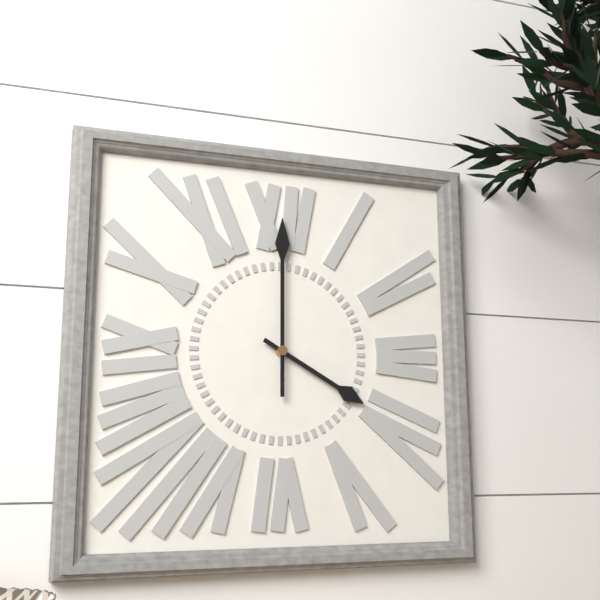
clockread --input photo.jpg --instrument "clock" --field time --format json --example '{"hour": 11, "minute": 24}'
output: {"hour": 4, "minute": 0}
